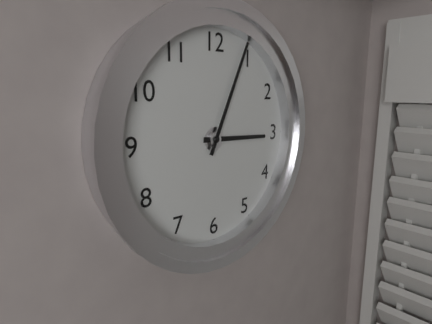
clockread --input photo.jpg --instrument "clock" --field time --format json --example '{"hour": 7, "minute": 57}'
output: {"hour": 3, "minute": 4}
